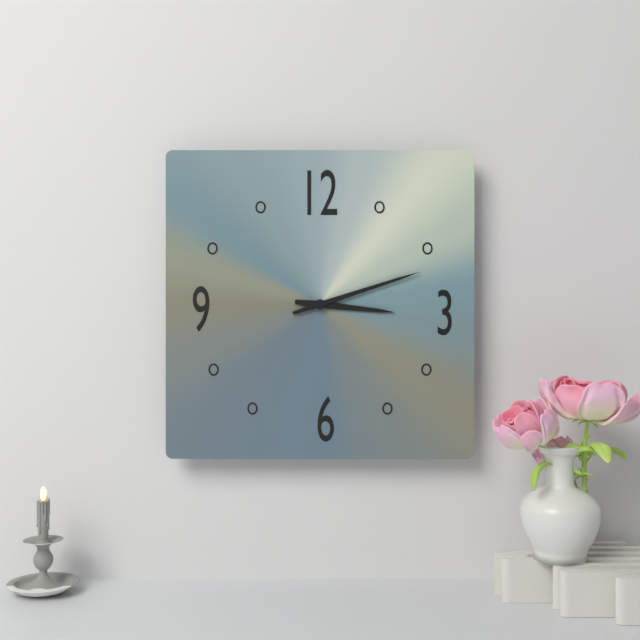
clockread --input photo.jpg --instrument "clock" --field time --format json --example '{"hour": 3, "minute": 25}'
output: {"hour": 3, "minute": 12}
